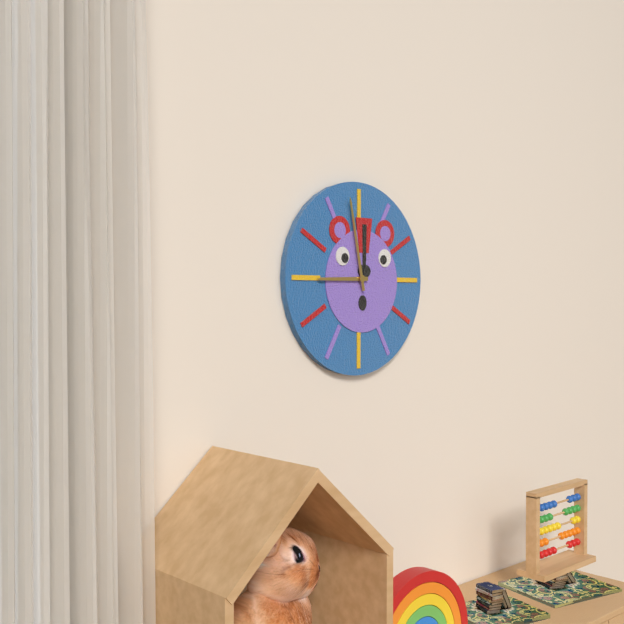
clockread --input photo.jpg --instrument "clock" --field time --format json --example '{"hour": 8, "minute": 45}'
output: {"hour": 8, "minute": 58}
